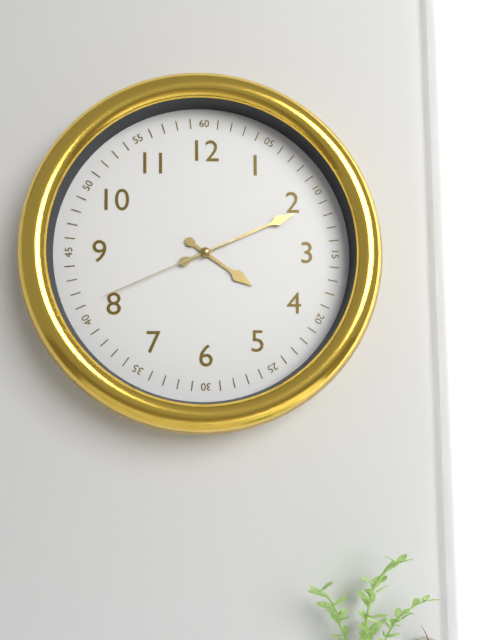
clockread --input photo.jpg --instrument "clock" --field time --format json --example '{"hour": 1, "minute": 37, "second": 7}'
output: {"hour": 4, "minute": 11, "second": 41}
